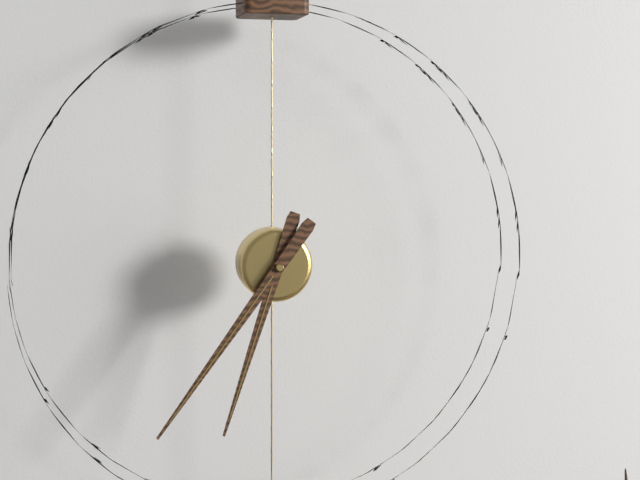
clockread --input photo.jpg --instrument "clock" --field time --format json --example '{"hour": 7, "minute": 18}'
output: {"hour": 6, "minute": 36}
